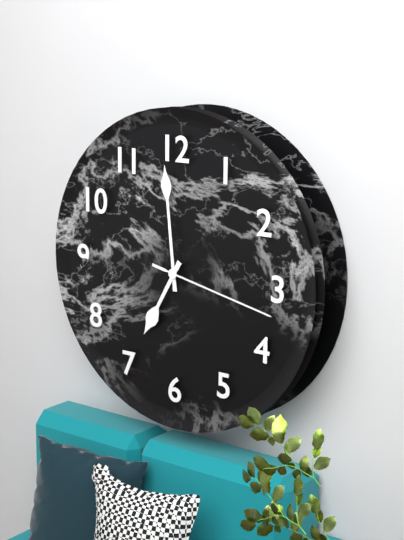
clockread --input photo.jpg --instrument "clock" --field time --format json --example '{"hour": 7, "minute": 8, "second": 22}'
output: {"hour": 6, "minute": 59, "second": 17}
